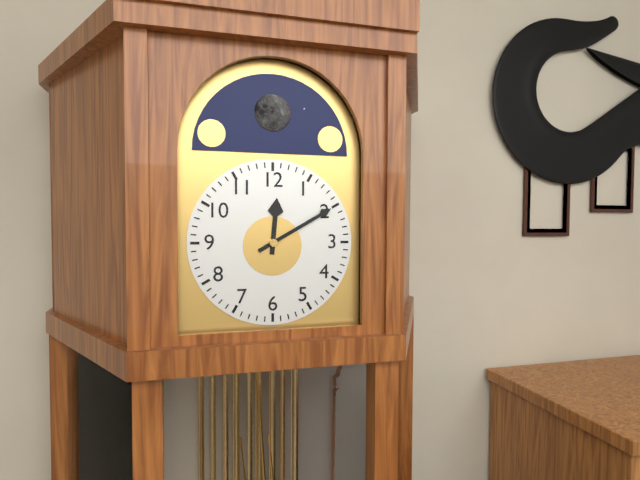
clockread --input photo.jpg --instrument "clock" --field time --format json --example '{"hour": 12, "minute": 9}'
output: {"hour": 12, "minute": 10}
